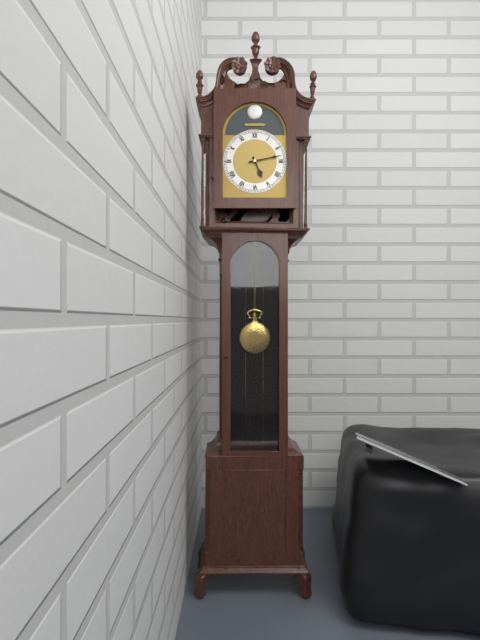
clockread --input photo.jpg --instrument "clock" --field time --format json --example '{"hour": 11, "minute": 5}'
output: {"hour": 5, "minute": 13}
